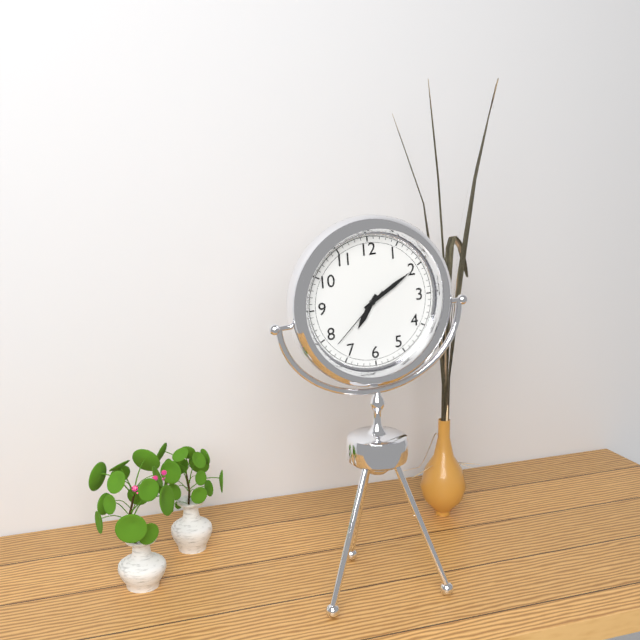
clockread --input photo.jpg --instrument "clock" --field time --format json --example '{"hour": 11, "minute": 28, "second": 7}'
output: {"hour": 7, "minute": 10, "second": 38}
